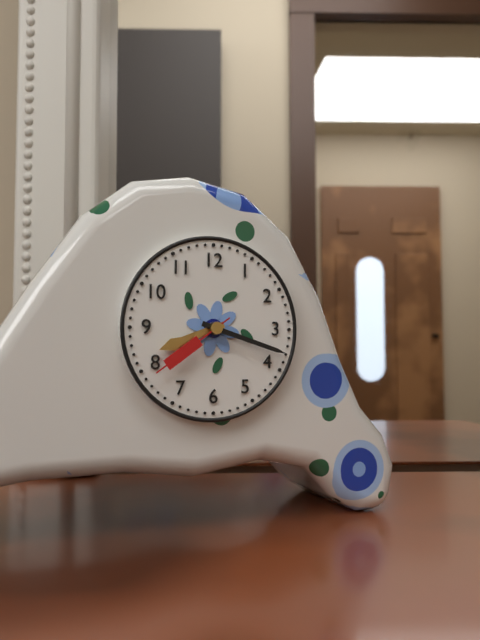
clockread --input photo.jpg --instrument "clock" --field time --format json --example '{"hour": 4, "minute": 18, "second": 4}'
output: {"hour": 8, "minute": 18, "second": 39}
